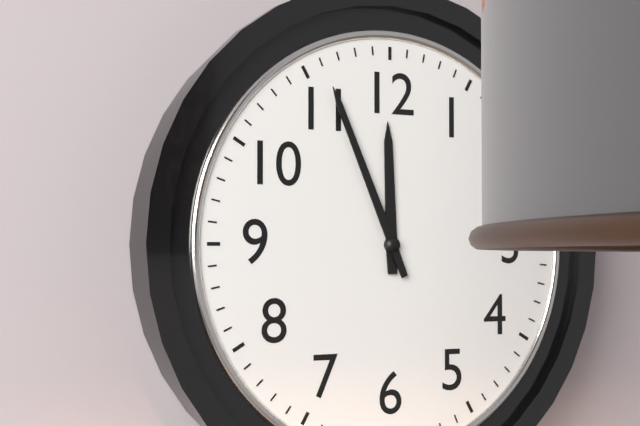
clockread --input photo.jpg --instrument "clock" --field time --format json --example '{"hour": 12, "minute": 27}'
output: {"hour": 11, "minute": 56}
